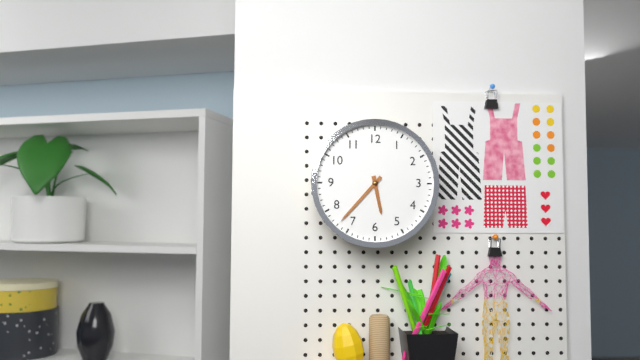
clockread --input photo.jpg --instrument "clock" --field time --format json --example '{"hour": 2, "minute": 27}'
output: {"hour": 5, "minute": 37}
